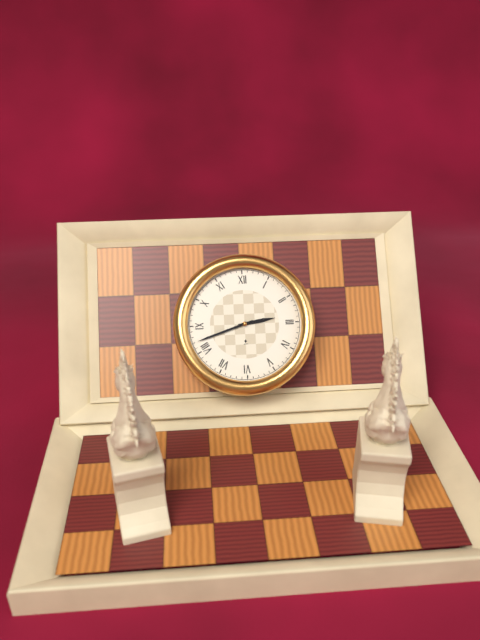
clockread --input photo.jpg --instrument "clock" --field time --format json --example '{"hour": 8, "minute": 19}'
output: {"hour": 2, "minute": 42}
